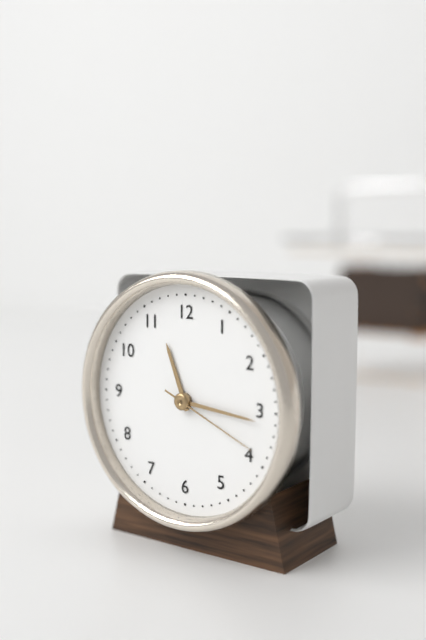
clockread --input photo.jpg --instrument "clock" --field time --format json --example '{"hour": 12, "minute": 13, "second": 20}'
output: {"hour": 11, "minute": 16, "second": 19}
